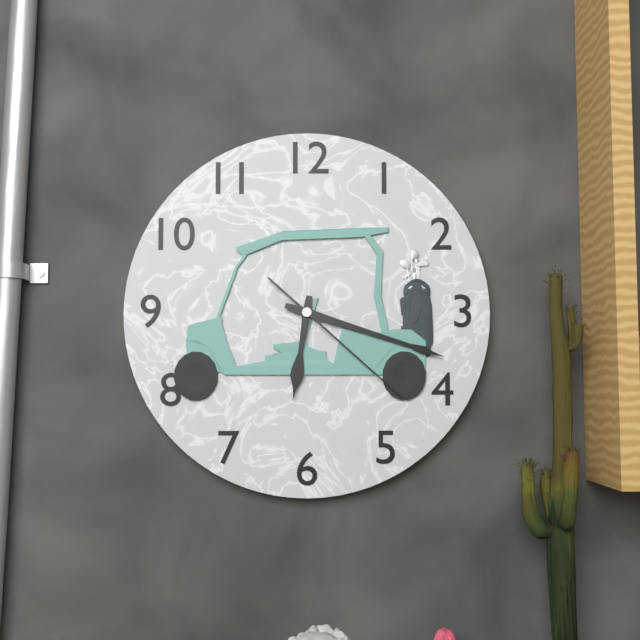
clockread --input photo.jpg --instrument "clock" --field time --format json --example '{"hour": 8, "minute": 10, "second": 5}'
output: {"hour": 6, "minute": 18, "second": 22}
